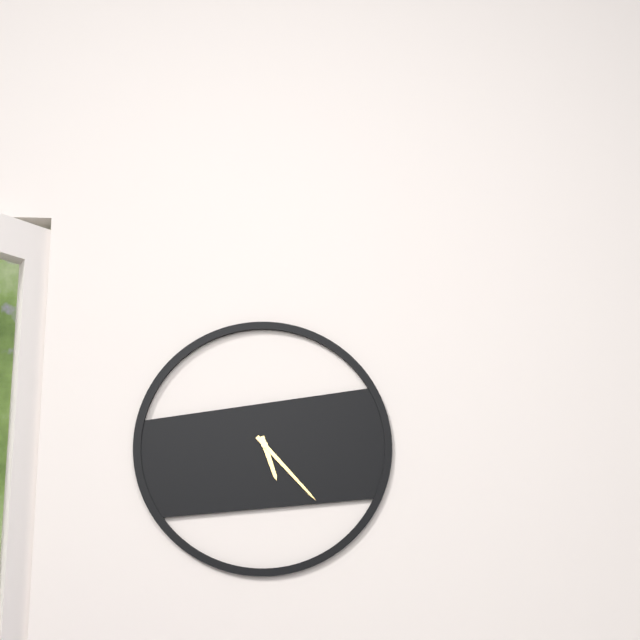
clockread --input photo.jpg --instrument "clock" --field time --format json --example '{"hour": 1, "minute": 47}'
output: {"hour": 5, "minute": 23}
